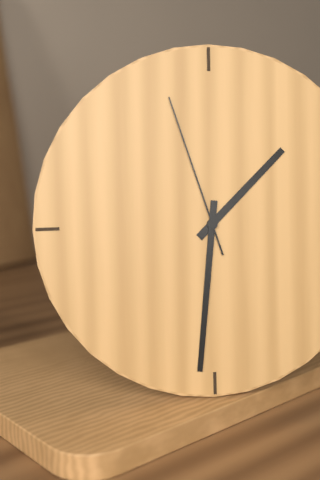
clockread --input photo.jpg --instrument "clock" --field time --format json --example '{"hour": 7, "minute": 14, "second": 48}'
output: {"hour": 1, "minute": 31, "second": 57}
